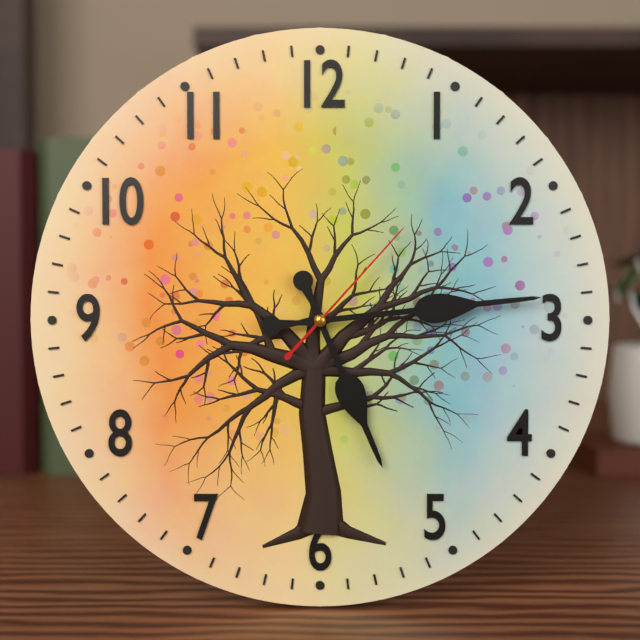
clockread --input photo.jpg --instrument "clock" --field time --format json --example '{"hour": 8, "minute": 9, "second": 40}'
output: {"hour": 5, "minute": 14, "second": 7}
